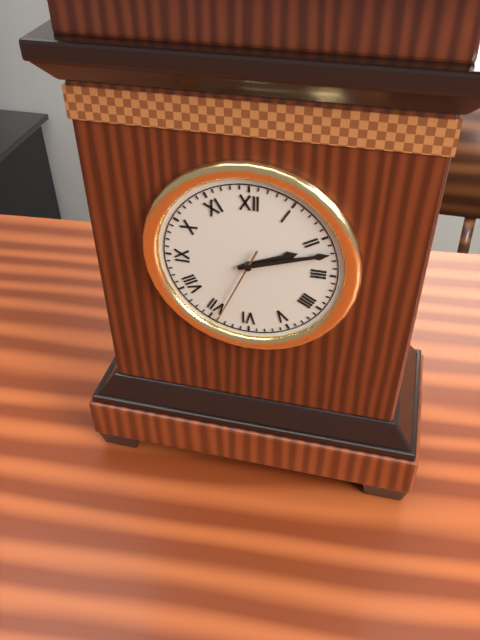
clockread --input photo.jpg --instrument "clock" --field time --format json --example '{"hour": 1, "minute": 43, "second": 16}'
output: {"hour": 2, "minute": 12, "second": 34}
